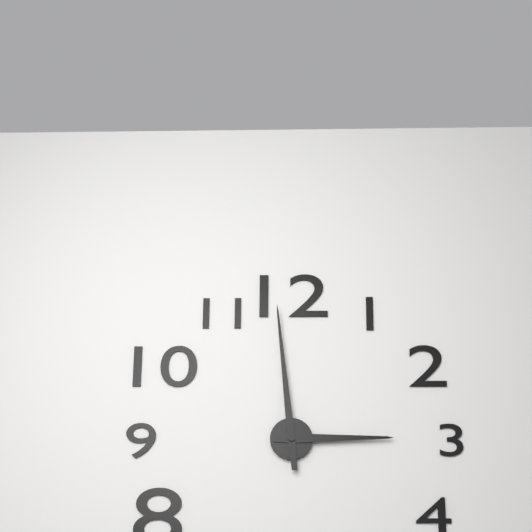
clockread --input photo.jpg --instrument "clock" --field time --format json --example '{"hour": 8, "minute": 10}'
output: {"hour": 2, "minute": 59}
